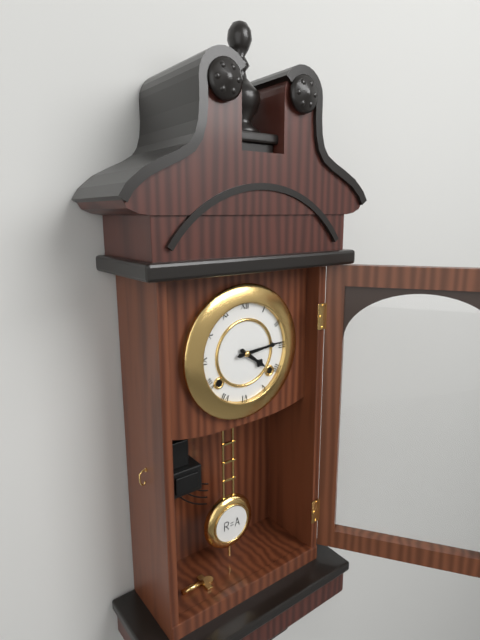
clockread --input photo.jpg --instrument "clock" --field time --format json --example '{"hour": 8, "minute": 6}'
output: {"hour": 4, "minute": 14}
